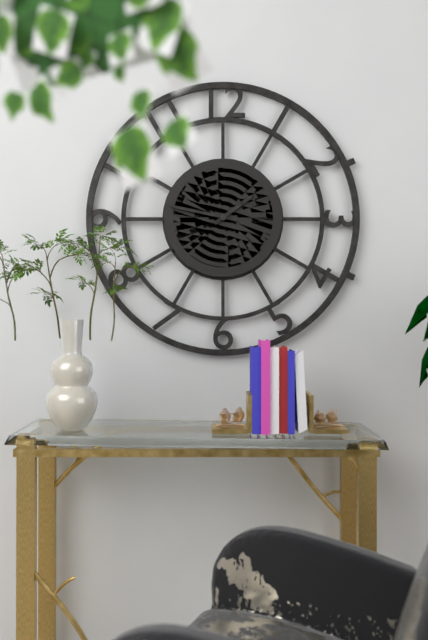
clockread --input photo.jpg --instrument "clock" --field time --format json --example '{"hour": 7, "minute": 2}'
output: {"hour": 1, "minute": 47}
